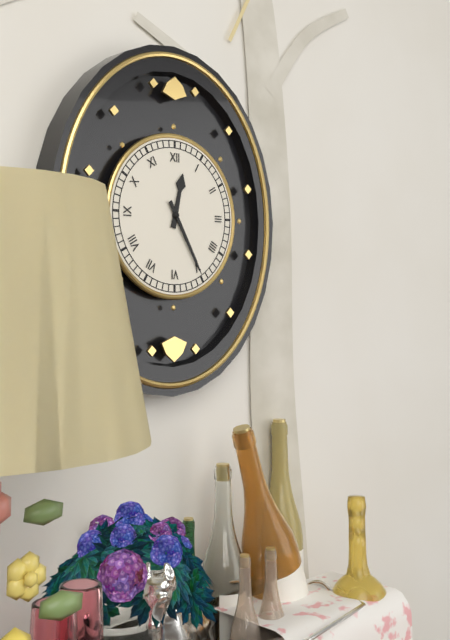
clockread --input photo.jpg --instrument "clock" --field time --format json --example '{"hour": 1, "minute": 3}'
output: {"hour": 12, "minute": 25}
